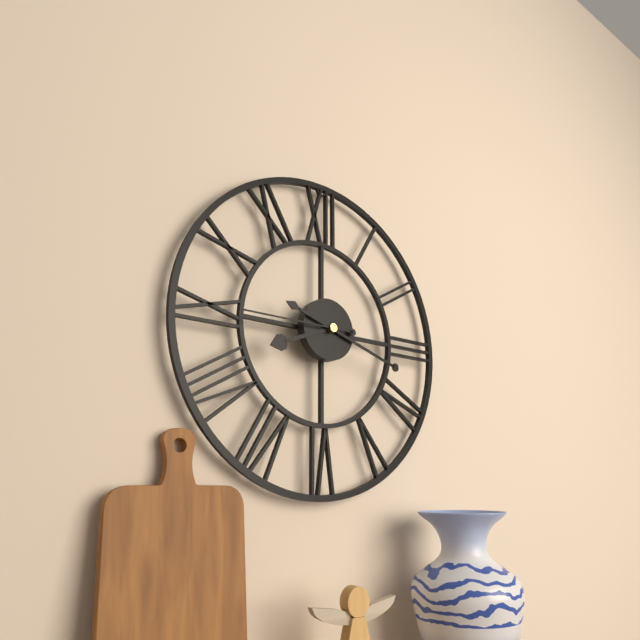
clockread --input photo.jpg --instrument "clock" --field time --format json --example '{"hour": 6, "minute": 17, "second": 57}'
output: {"hour": 8, "minute": 18, "second": 45}
